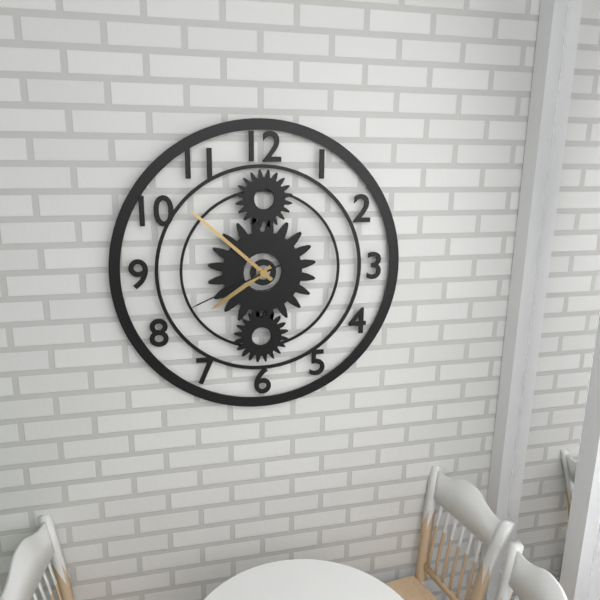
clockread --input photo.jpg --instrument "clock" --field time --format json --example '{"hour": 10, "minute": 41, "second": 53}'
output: {"hour": 7, "minute": 52, "second": 41}
